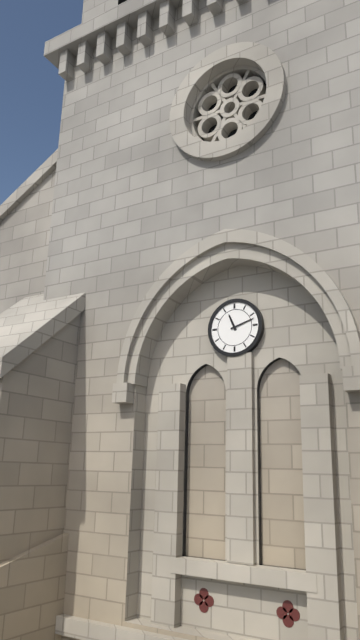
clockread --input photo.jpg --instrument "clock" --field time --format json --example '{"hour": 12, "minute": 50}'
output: {"hour": 11, "minute": 12}
